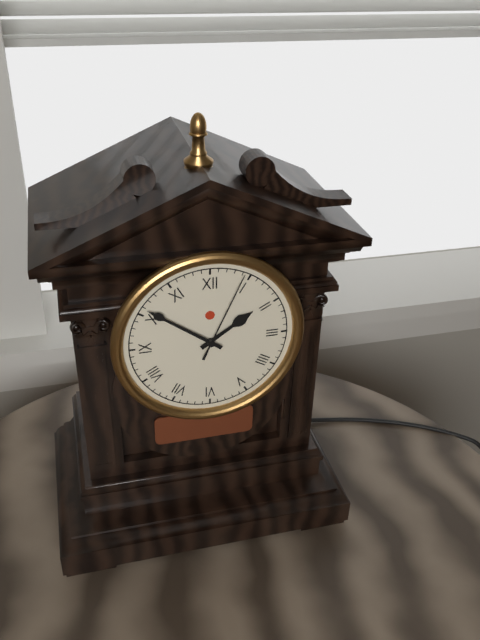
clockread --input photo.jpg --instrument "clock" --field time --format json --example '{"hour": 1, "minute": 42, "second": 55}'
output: {"hour": 1, "minute": 51, "second": 4}
